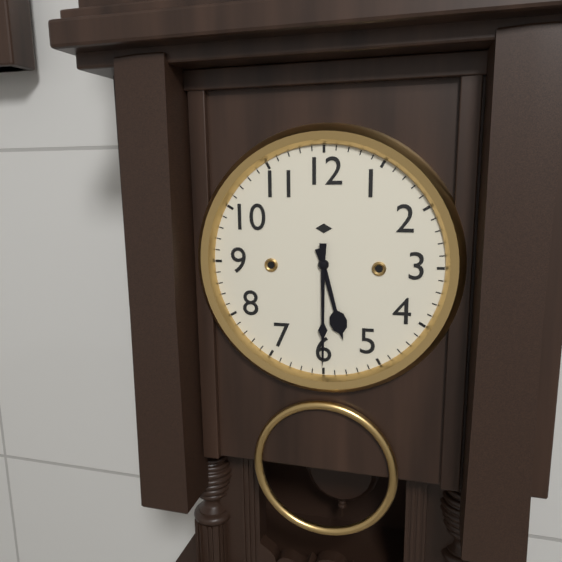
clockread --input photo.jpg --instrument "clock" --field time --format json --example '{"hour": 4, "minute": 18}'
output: {"hour": 5, "minute": 30}
